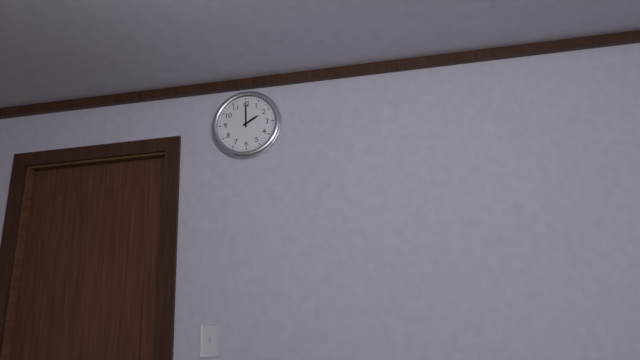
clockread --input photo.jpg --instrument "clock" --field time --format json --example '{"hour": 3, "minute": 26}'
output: {"hour": 2, "minute": 0}
